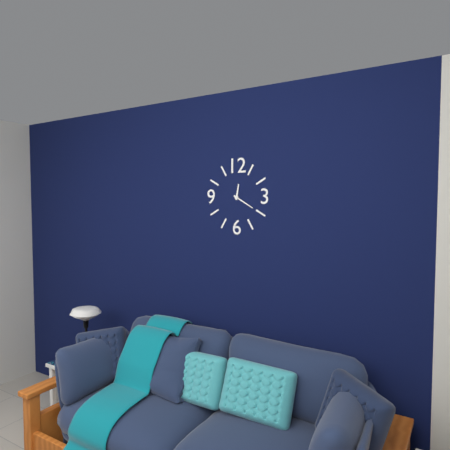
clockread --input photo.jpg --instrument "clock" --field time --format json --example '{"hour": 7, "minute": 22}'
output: {"hour": 12, "minute": 20}
